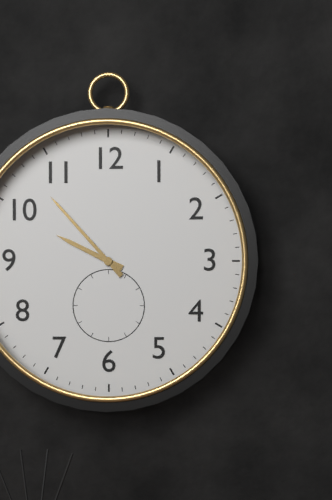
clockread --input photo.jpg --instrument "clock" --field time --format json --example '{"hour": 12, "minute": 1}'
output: {"hour": 9, "minute": 53}
